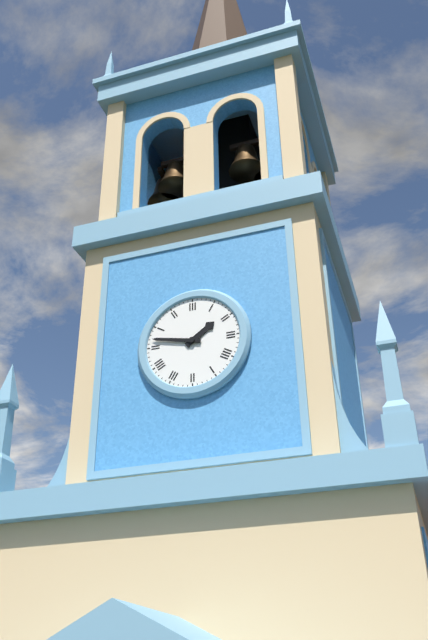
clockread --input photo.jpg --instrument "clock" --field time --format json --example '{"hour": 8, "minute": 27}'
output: {"hour": 1, "minute": 47}
